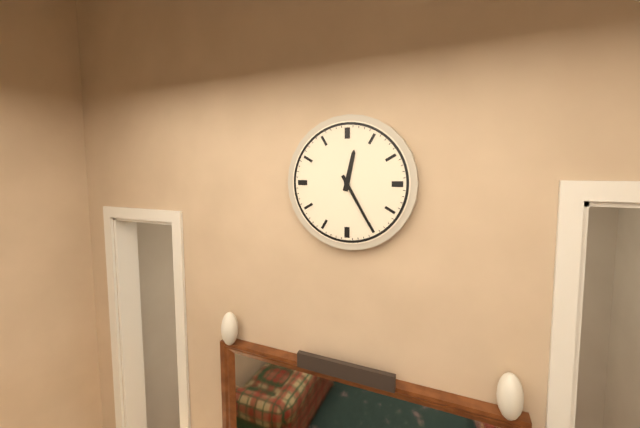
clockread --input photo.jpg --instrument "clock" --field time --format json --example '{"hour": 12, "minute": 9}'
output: {"hour": 12, "minute": 25}
